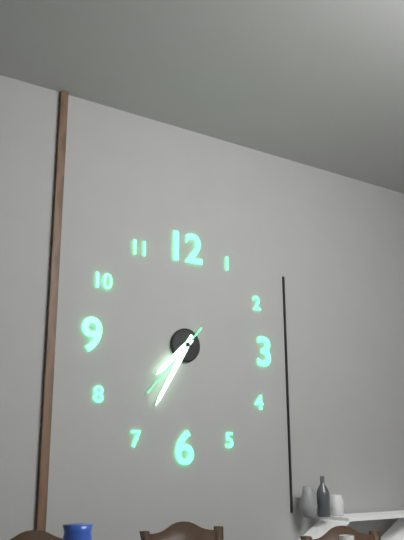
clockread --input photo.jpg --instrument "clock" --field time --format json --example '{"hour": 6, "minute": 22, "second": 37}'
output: {"hour": 7, "minute": 35, "second": 37}
